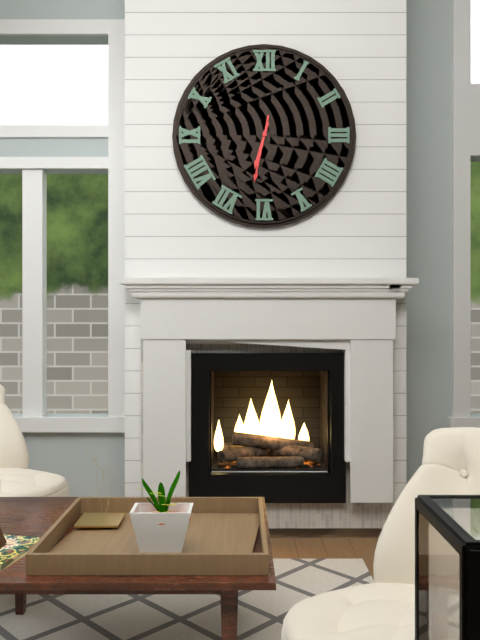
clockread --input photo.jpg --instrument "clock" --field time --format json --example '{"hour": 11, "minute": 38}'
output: {"hour": 6, "minute": 32}
